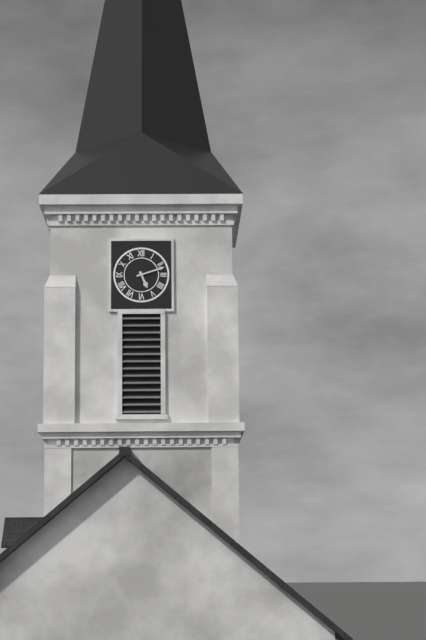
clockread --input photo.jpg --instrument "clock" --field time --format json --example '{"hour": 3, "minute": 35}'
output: {"hour": 5, "minute": 12}
